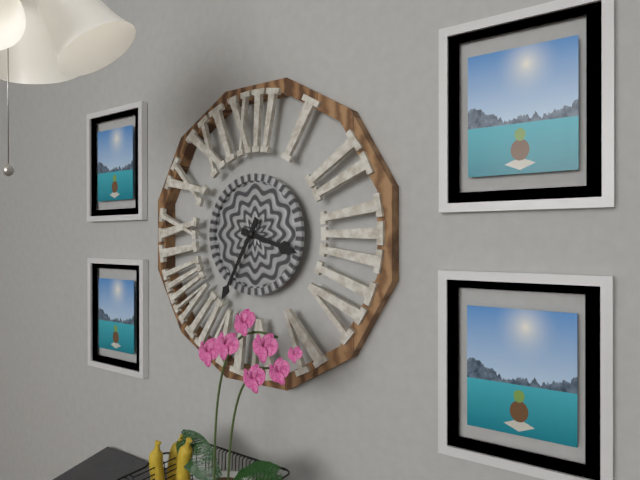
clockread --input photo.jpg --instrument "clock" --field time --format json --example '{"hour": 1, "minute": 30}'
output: {"hour": 3, "minute": 35}
